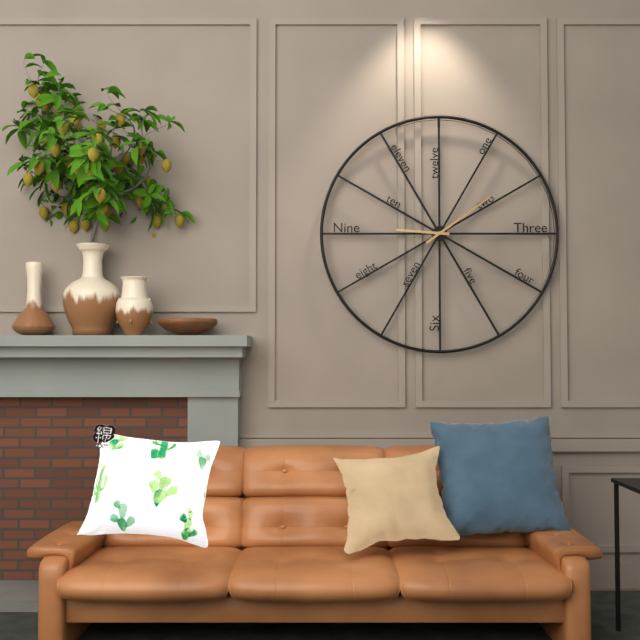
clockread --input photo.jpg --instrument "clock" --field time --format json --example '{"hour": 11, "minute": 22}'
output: {"hour": 9, "minute": 9}
